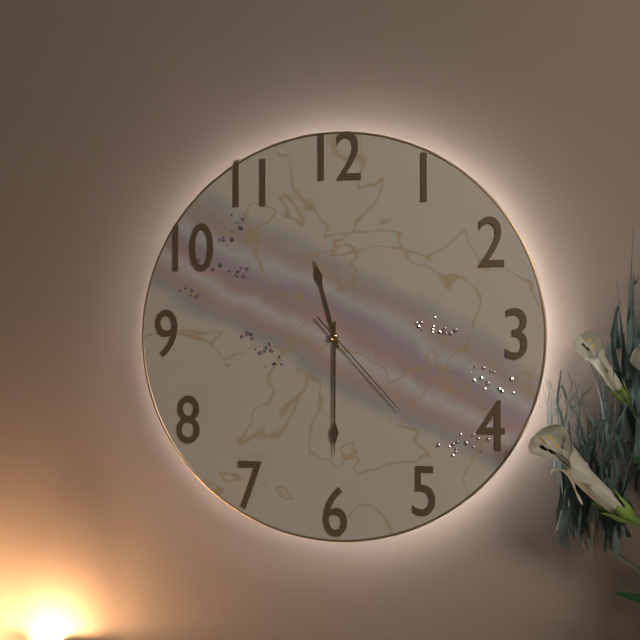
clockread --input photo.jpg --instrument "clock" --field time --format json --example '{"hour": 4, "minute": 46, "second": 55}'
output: {"hour": 11, "minute": 30, "second": 23}
